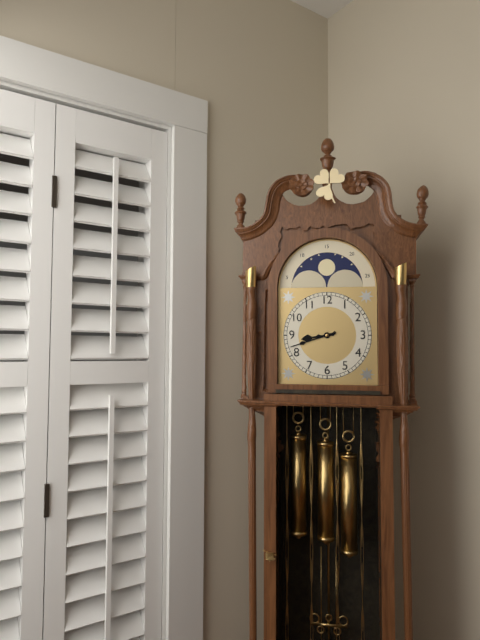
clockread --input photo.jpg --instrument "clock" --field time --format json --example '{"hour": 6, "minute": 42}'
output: {"hour": 8, "minute": 42}
